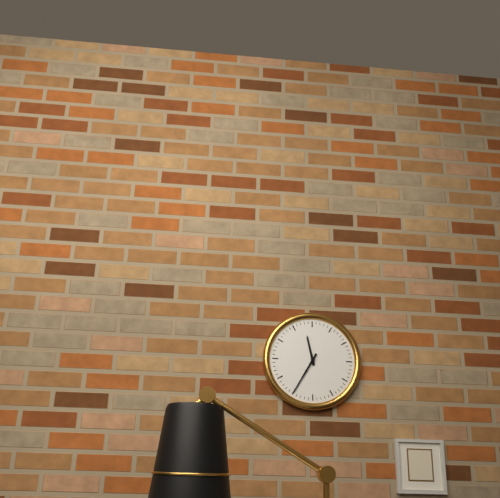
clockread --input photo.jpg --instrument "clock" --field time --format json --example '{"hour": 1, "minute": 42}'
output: {"hour": 11, "minute": 35}
